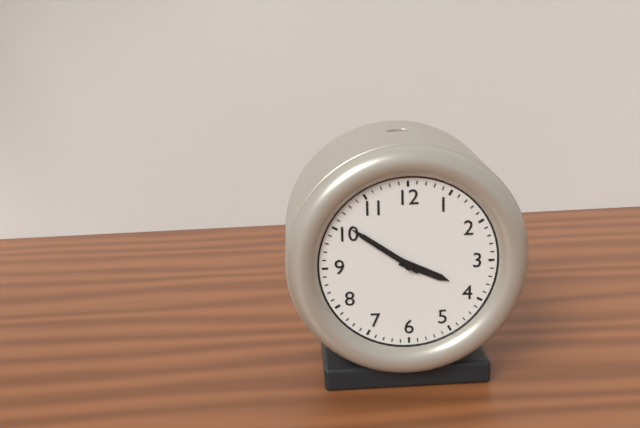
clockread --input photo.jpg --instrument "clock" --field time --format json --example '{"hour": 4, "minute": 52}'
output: {"hour": 3, "minute": 51}
